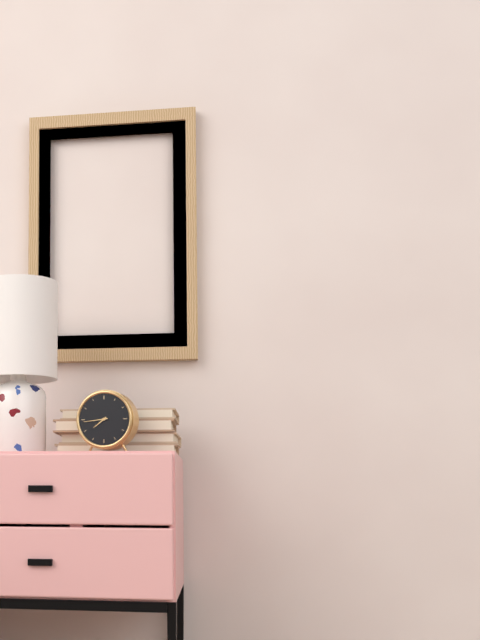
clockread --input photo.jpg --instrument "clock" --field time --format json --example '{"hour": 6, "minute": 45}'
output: {"hour": 7, "minute": 44}
